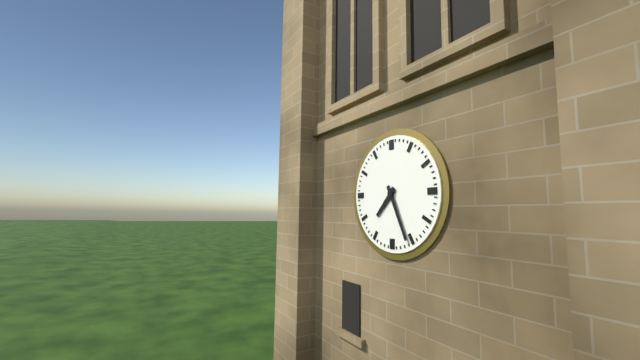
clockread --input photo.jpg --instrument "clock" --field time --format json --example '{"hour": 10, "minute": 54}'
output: {"hour": 7, "minute": 26}
